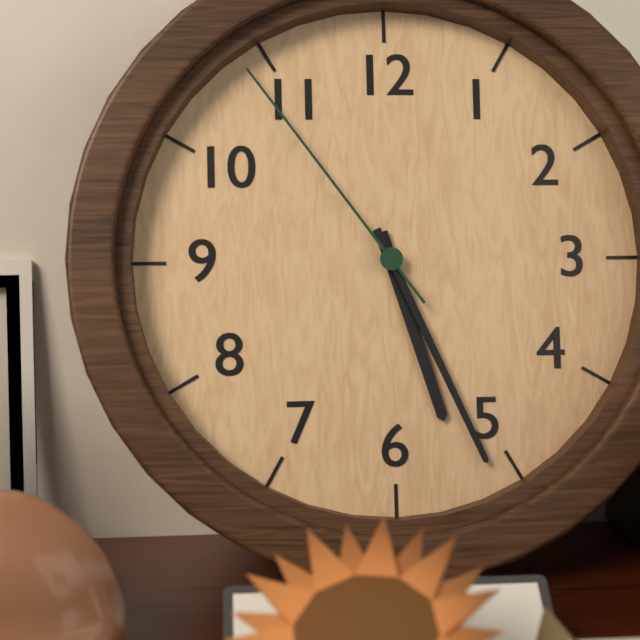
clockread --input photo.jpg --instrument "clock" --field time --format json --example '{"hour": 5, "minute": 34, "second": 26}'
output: {"hour": 5, "minute": 26, "second": 54}
